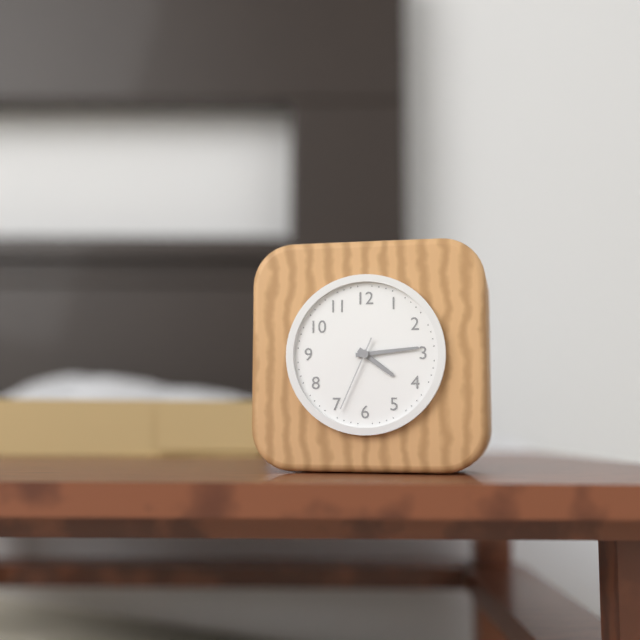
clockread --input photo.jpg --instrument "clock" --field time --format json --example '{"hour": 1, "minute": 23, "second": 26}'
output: {"hour": 4, "minute": 14, "second": 34}
